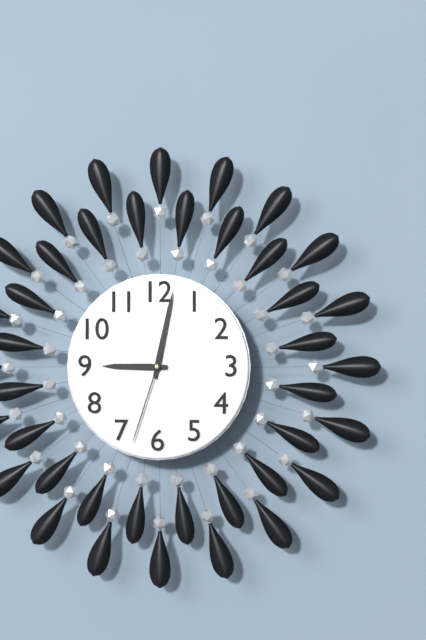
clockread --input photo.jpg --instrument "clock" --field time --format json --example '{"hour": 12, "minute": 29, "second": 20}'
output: {"hour": 9, "minute": 2, "second": 33}
